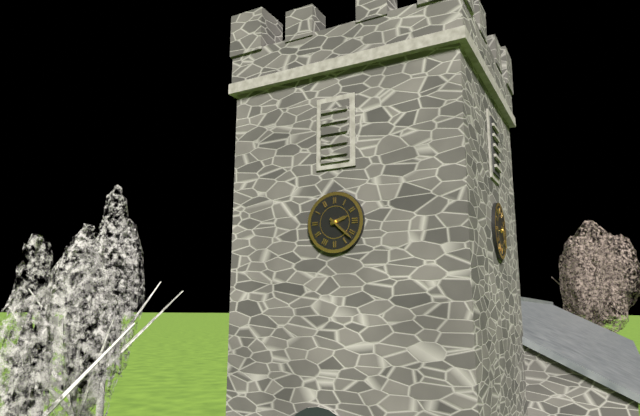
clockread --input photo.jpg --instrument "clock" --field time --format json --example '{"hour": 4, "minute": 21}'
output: {"hour": 2, "minute": 22}
